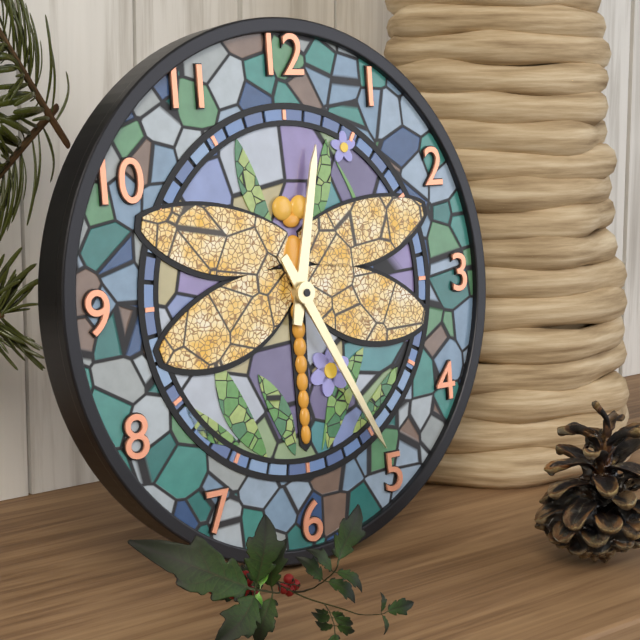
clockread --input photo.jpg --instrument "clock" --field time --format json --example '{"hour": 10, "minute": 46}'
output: {"hour": 12, "minute": 25}
